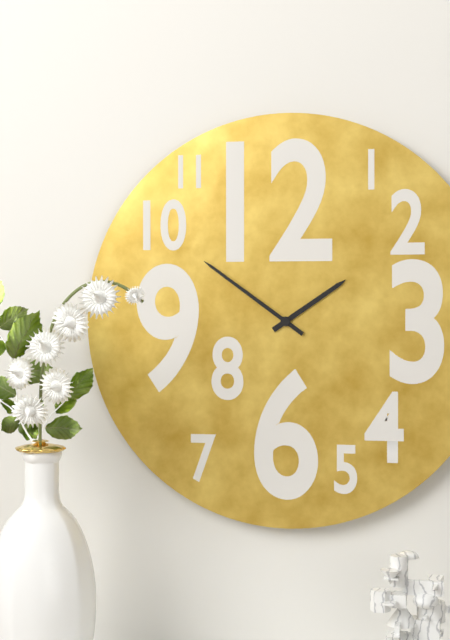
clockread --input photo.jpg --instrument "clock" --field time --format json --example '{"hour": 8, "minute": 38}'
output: {"hour": 1, "minute": 51}
